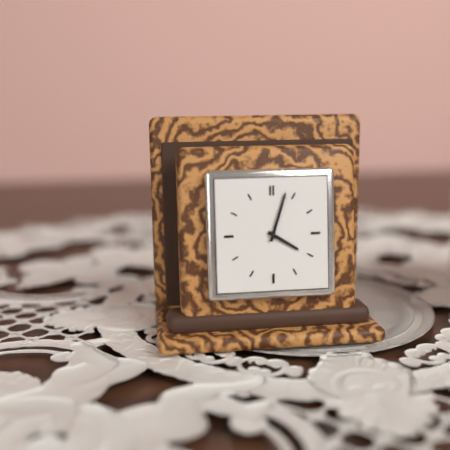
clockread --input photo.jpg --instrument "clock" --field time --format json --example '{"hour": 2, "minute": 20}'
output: {"hour": 4, "minute": 3}
